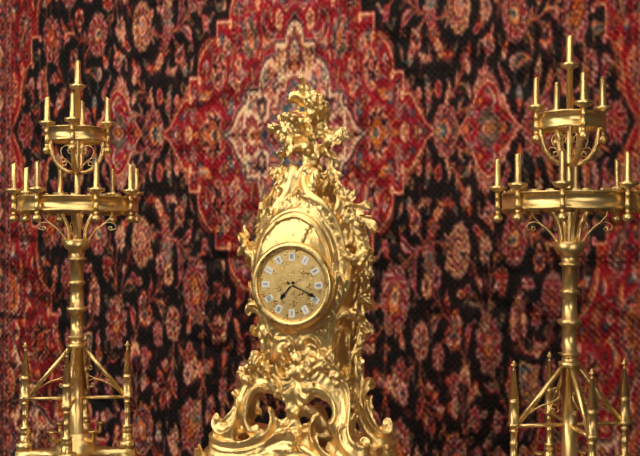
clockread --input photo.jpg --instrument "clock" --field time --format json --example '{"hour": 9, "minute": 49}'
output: {"hour": 7, "minute": 19}
